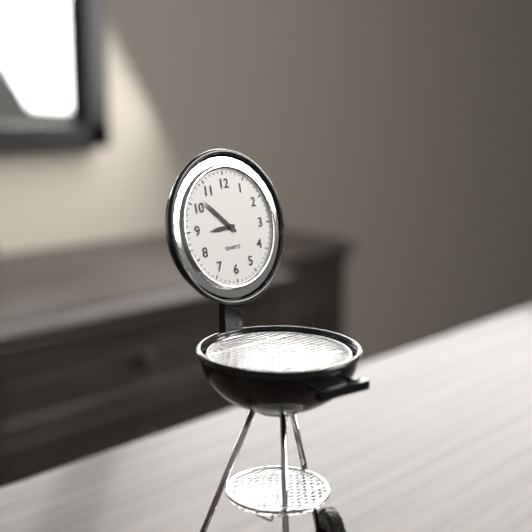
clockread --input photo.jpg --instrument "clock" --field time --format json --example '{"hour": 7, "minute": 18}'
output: {"hour": 8, "minute": 52}
